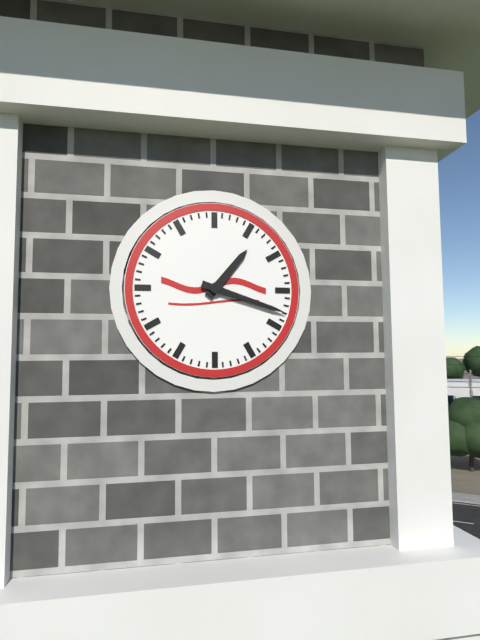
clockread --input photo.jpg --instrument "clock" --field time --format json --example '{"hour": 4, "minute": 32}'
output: {"hour": 1, "minute": 18}
